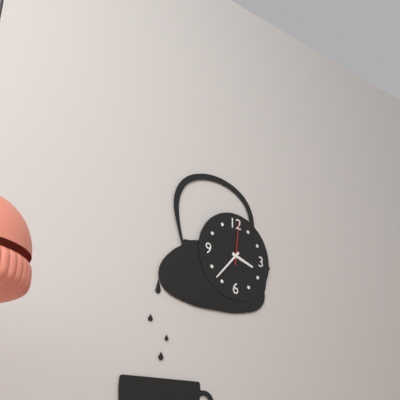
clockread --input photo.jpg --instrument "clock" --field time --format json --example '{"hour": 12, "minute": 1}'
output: {"hour": 3, "minute": 37}
